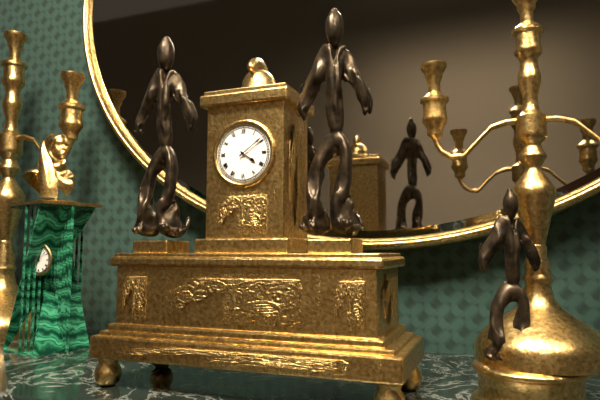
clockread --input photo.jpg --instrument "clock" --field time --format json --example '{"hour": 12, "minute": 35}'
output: {"hour": 4, "minute": 9}
